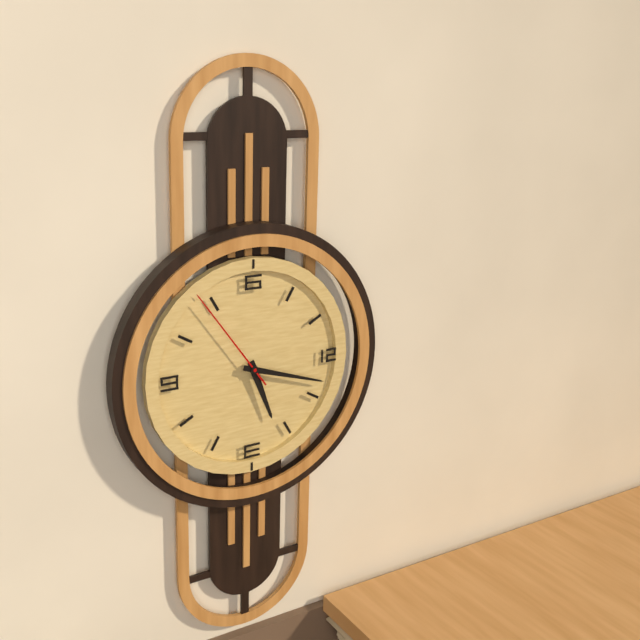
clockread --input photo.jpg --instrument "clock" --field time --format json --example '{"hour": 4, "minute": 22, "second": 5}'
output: {"hour": 5, "minute": 18, "second": 54}
